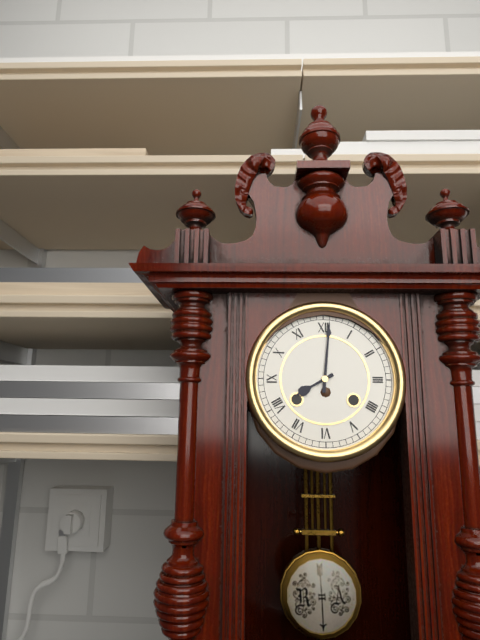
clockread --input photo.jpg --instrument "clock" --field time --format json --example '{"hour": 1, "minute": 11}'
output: {"hour": 8, "minute": 1}
